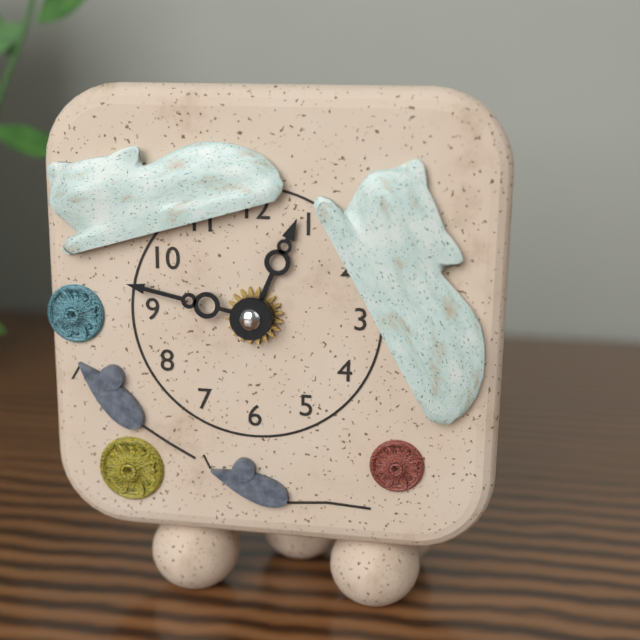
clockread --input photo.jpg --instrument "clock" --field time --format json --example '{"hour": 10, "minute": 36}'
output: {"hour": 12, "minute": 47}
